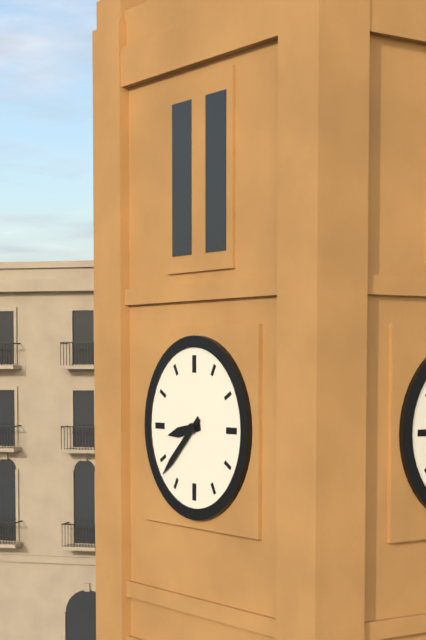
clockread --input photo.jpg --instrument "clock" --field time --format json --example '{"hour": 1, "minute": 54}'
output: {"hour": 8, "minute": 38}
